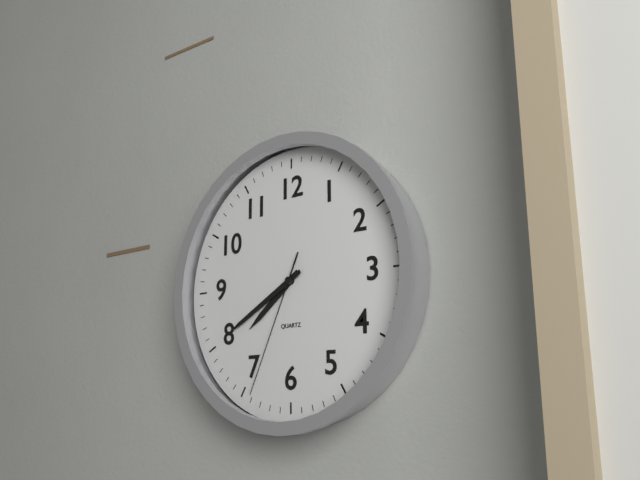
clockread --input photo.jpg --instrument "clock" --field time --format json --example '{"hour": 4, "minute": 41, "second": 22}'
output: {"hour": 7, "minute": 40, "second": 34}
